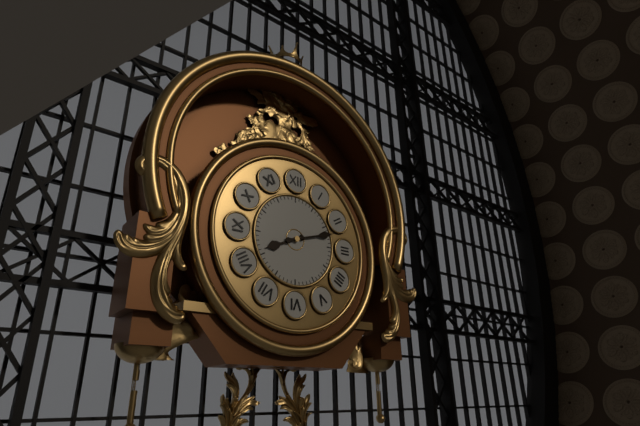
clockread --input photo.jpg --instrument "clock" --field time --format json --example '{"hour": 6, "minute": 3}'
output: {"hour": 8, "minute": 12}
